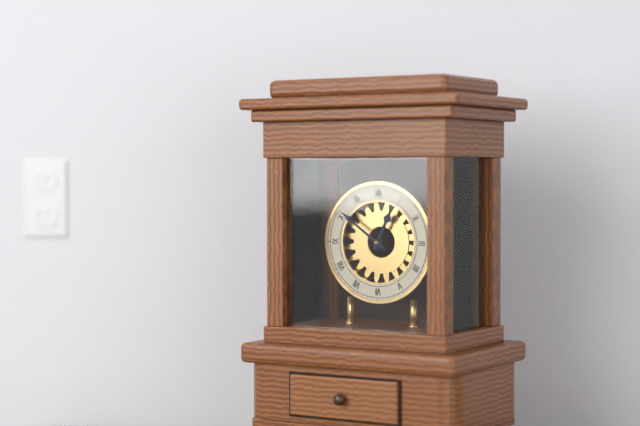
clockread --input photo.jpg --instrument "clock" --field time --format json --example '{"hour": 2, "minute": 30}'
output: {"hour": 12, "minute": 51}
